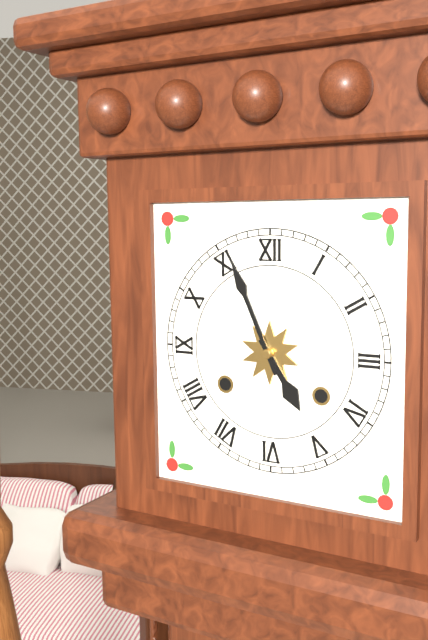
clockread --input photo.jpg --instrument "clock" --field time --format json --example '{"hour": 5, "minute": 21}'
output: {"hour": 4, "minute": 56}
